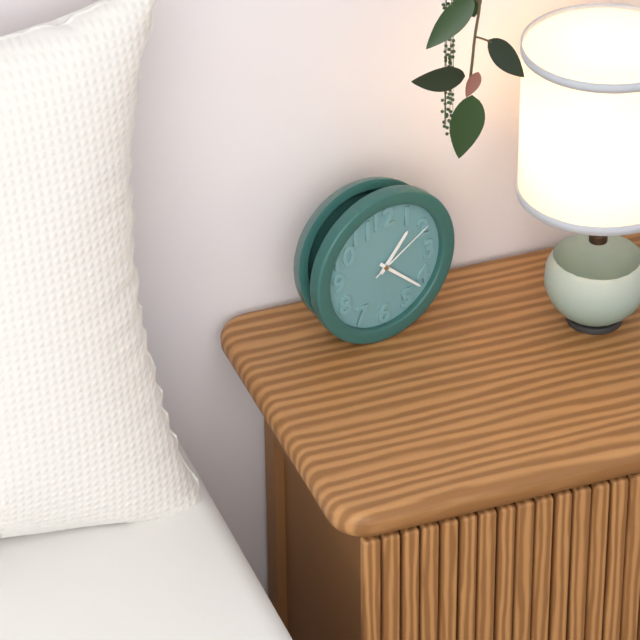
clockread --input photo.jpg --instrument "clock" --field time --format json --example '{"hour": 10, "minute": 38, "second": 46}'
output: {"hour": 1, "minute": 22, "second": 10}
